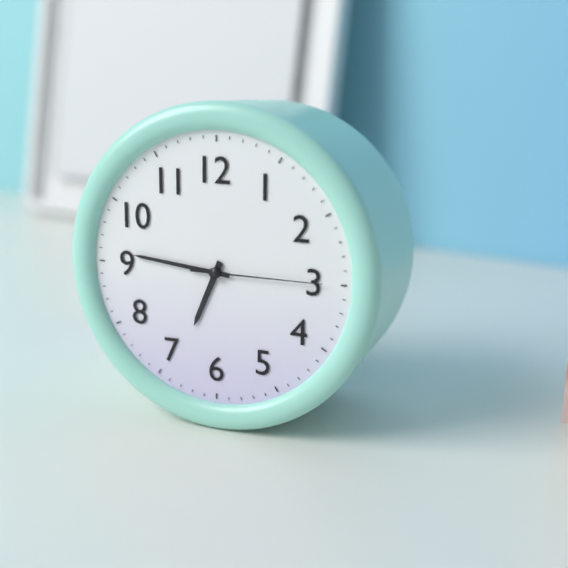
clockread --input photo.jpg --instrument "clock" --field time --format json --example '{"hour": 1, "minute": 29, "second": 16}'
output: {"hour": 6, "minute": 46, "second": 15}
